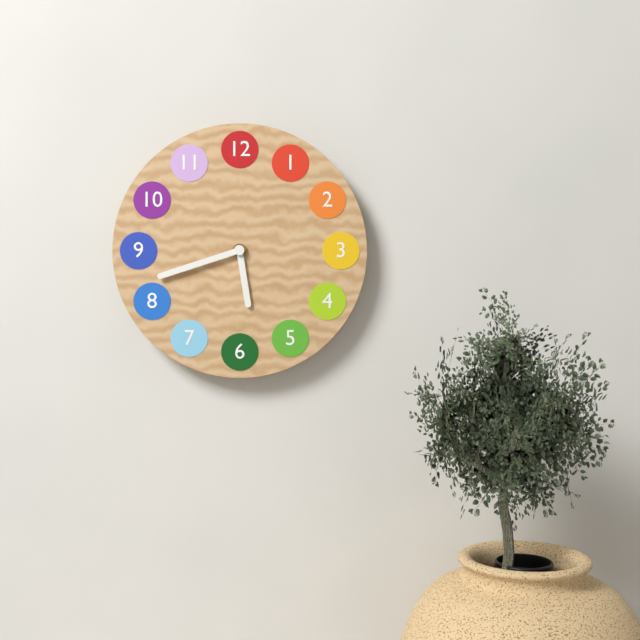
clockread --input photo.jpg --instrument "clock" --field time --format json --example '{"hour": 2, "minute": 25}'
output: {"hour": 5, "minute": 42}
